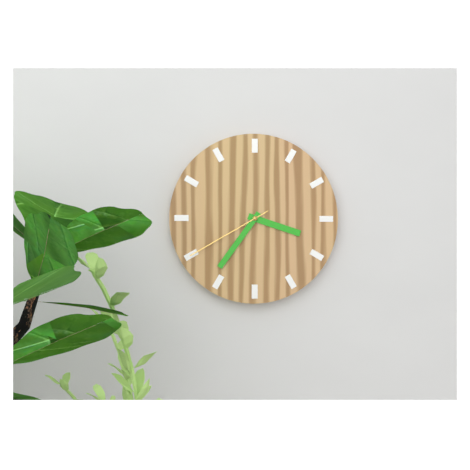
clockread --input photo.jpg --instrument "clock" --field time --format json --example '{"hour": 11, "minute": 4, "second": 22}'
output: {"hour": 3, "minute": 36, "second": 40}
